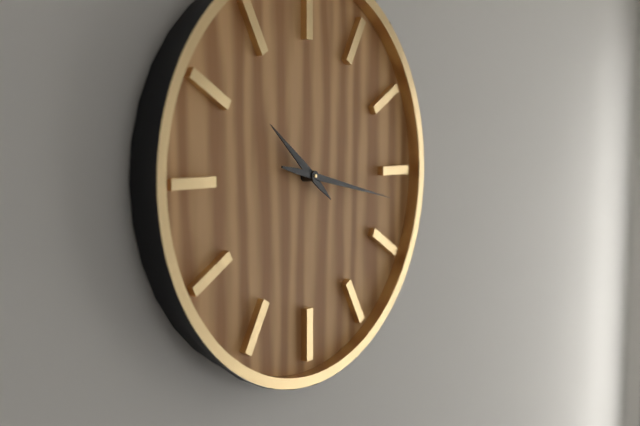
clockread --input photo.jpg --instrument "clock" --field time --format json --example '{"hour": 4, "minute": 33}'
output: {"hour": 10, "minute": 17}
